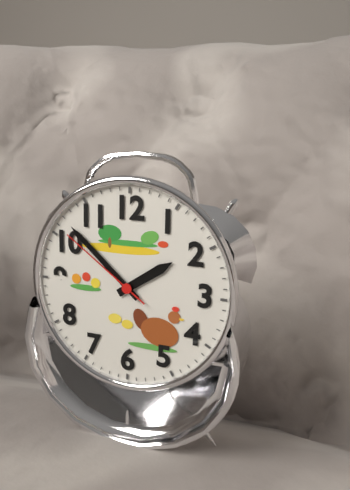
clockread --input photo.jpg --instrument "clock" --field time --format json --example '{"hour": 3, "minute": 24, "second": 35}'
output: {"hour": 1, "minute": 52, "second": 51}
